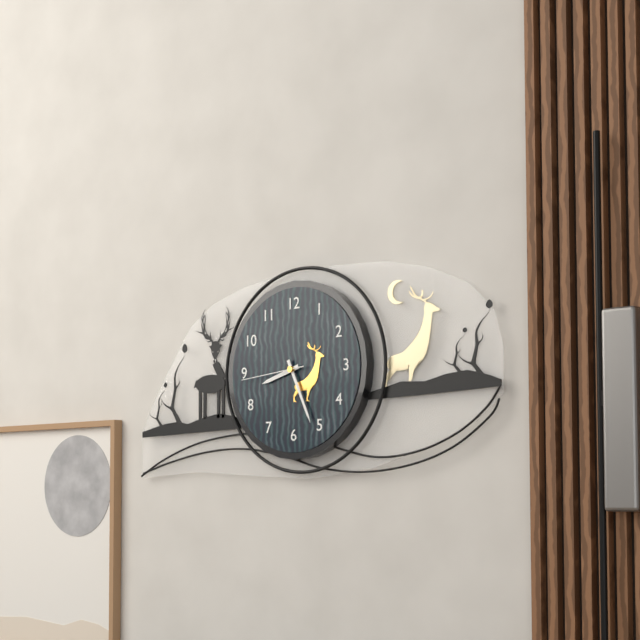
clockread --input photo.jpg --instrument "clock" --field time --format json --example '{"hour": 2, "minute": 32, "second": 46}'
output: {"hour": 8, "minute": 26, "second": 44}
